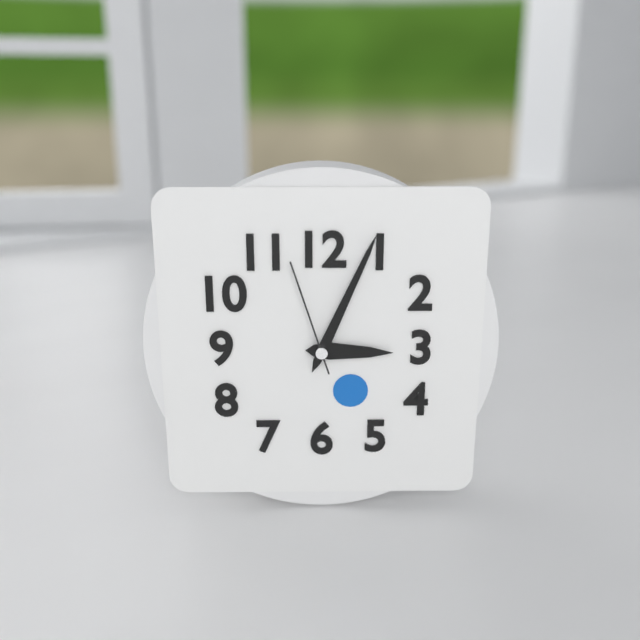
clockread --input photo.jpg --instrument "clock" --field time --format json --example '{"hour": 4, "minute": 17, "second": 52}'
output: {"hour": 3, "minute": 4, "second": 57}
